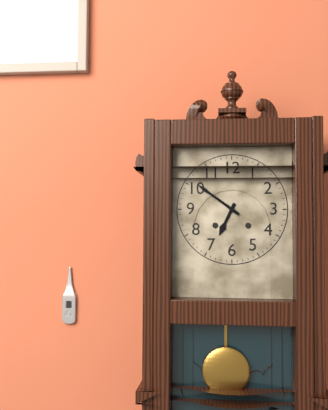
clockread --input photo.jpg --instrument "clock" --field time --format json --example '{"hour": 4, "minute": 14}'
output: {"hour": 6, "minute": 51}
